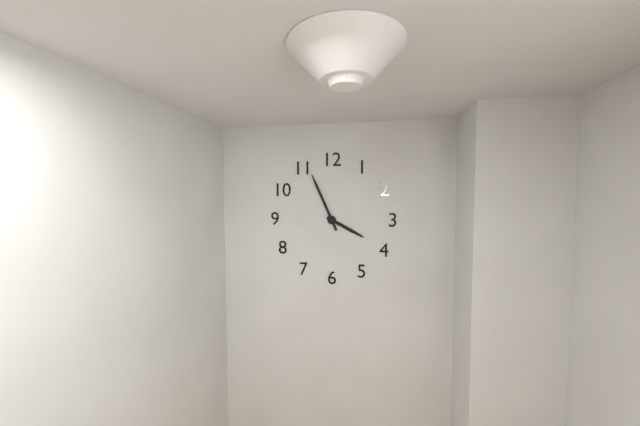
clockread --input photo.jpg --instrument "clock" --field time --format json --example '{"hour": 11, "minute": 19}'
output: {"hour": 3, "minute": 56}
